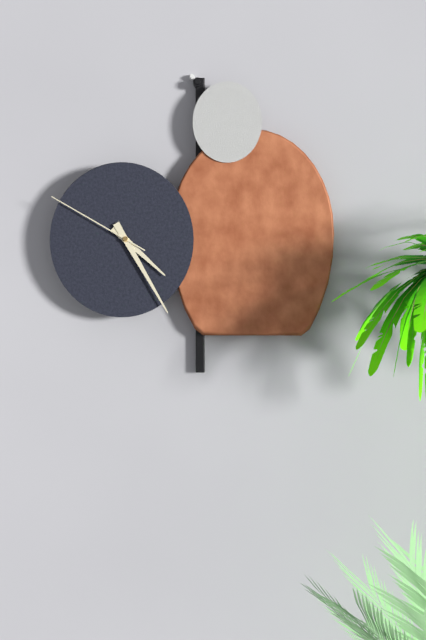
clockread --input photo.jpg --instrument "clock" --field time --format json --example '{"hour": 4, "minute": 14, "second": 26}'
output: {"hour": 4, "minute": 25, "second": 50}
